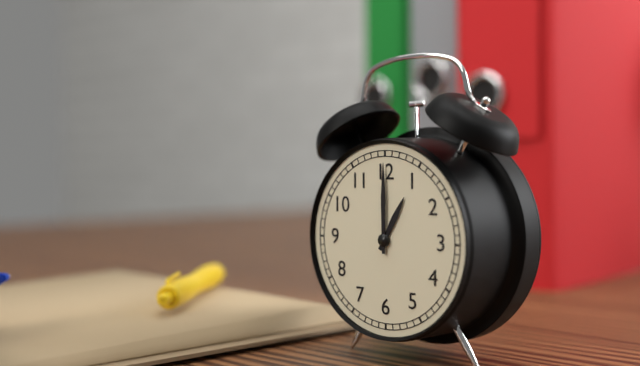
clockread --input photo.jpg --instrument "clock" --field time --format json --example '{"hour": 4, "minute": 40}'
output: {"hour": 1, "minute": 0}
